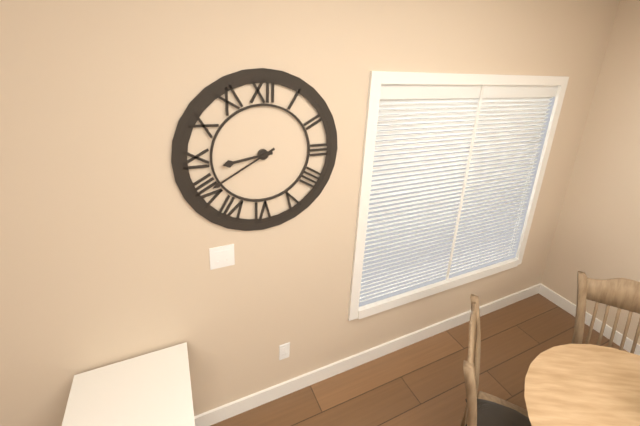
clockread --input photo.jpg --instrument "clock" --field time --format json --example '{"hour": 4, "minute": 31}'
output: {"hour": 8, "minute": 40}
